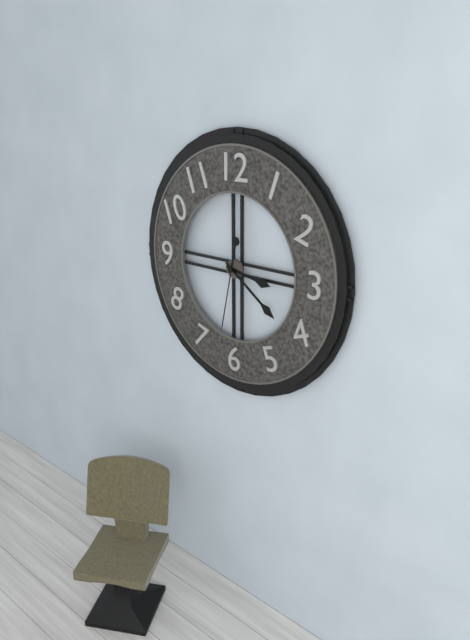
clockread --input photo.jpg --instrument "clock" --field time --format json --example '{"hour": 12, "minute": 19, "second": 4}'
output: {"hour": 3, "minute": 21, "second": 32}
